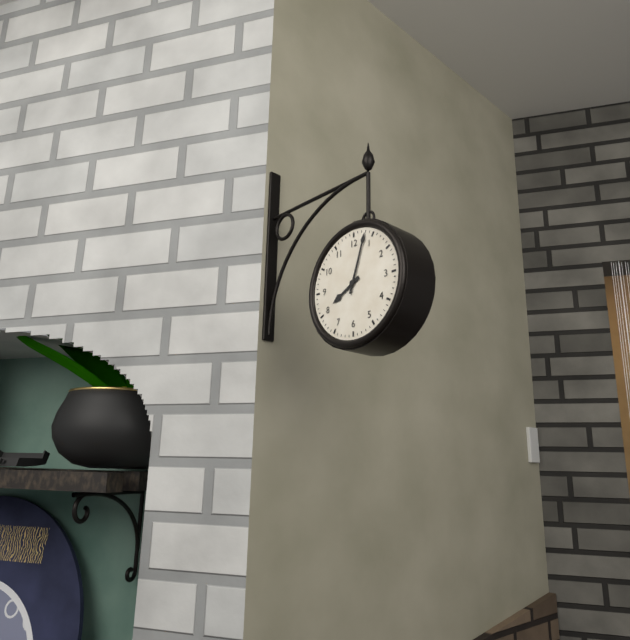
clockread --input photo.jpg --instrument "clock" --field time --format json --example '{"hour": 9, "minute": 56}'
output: {"hour": 8, "minute": 3}
